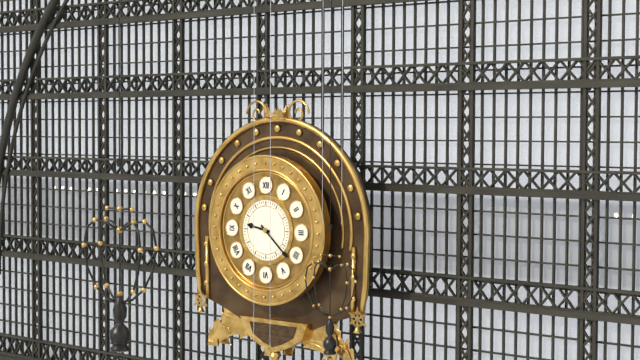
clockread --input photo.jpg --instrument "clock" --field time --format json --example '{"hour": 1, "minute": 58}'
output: {"hour": 9, "minute": 22}
